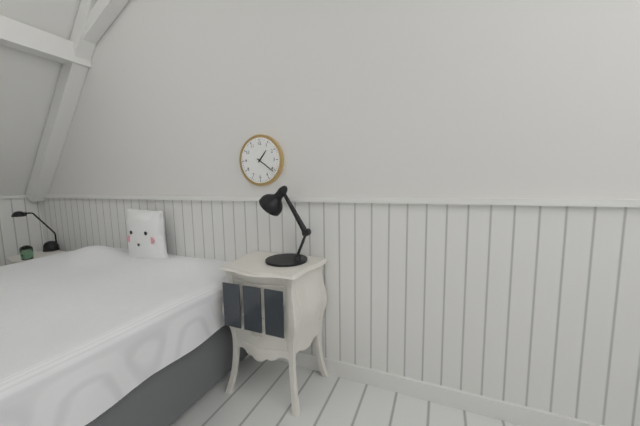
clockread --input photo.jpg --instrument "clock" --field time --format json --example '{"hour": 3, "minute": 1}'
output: {"hour": 1, "minute": 21}
